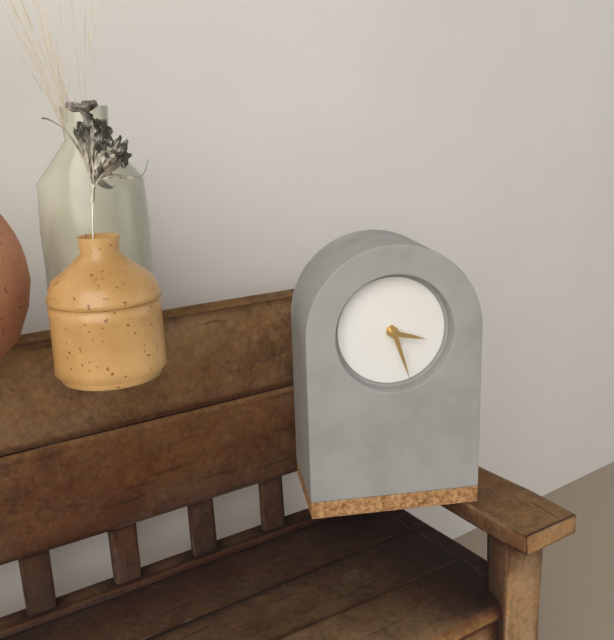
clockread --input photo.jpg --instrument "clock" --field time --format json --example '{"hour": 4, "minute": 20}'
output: {"hour": 3, "minute": 27}
